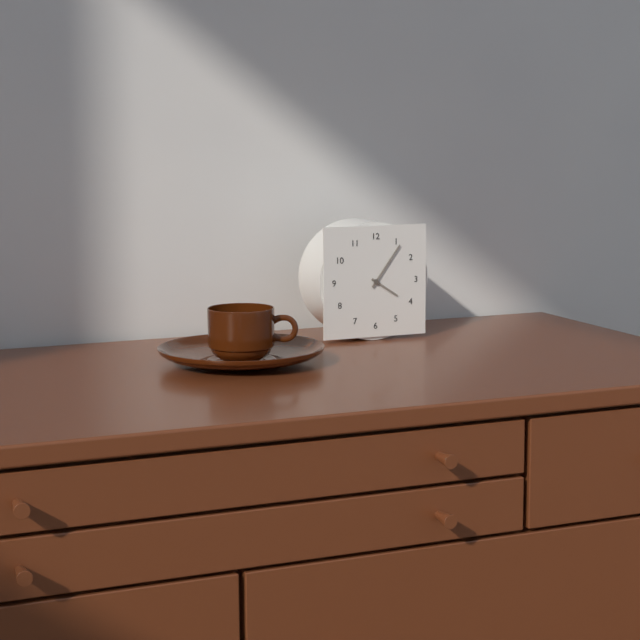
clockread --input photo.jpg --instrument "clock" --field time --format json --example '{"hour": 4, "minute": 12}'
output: {"hour": 4, "minute": 6}
